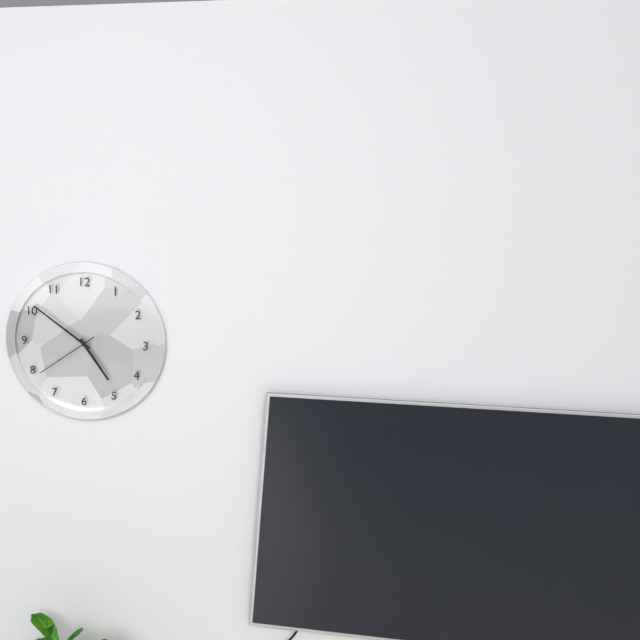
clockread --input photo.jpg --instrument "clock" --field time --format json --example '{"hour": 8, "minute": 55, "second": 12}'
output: {"hour": 4, "minute": 51, "second": 39}
